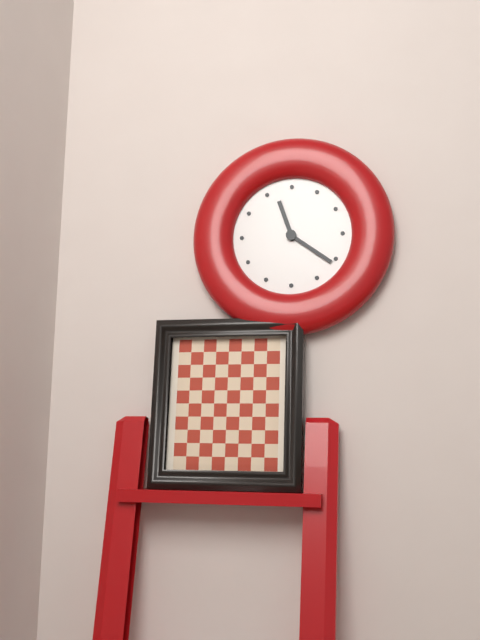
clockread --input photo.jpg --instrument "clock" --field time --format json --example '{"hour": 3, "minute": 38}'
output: {"hour": 11, "minute": 21}
